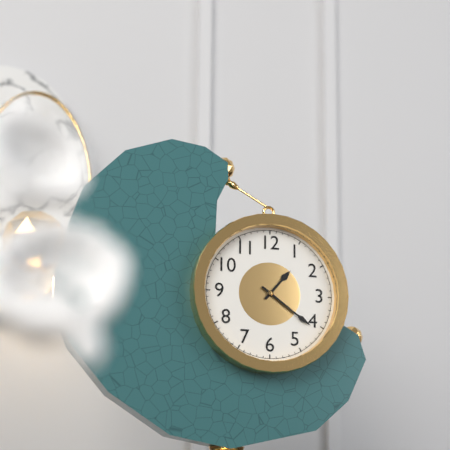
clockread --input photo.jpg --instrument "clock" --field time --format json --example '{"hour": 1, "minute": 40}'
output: {"hour": 1, "minute": 21}
